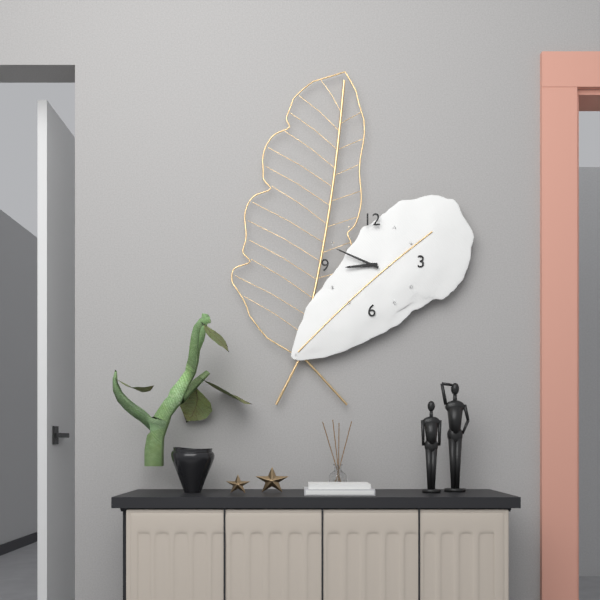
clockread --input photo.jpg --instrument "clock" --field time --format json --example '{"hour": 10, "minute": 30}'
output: {"hour": 8, "minute": 49}
